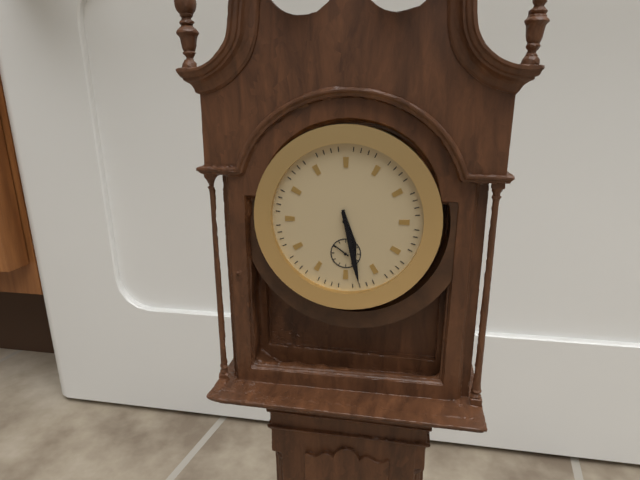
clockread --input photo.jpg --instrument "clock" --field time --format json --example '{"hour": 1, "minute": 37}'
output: {"hour": 5, "minute": 28}
